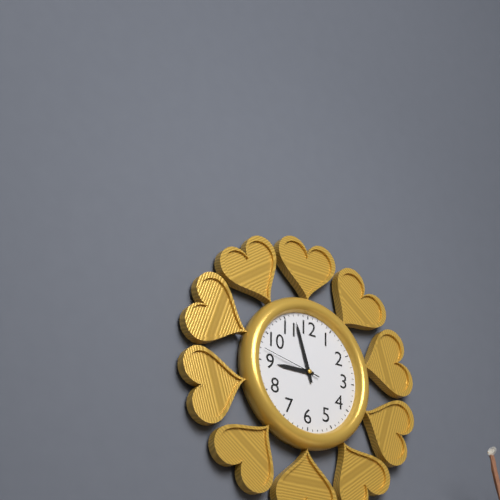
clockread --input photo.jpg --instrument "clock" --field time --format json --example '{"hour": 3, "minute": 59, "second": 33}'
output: {"hour": 8, "minute": 57, "second": 47}
